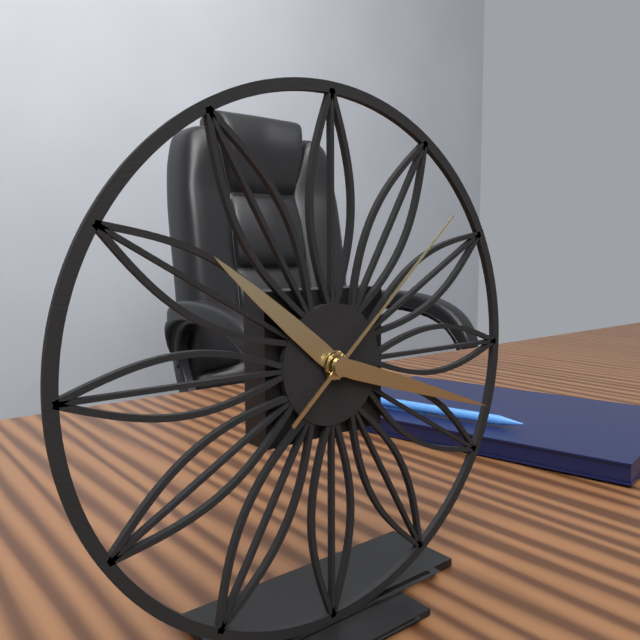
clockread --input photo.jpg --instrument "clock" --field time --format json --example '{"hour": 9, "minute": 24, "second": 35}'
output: {"hour": 10, "minute": 18, "second": 8}
